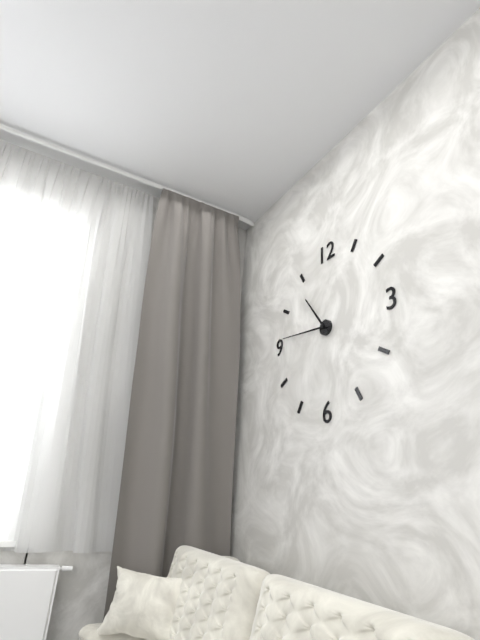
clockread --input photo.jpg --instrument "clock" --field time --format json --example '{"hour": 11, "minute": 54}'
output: {"hour": 10, "minute": 46}
